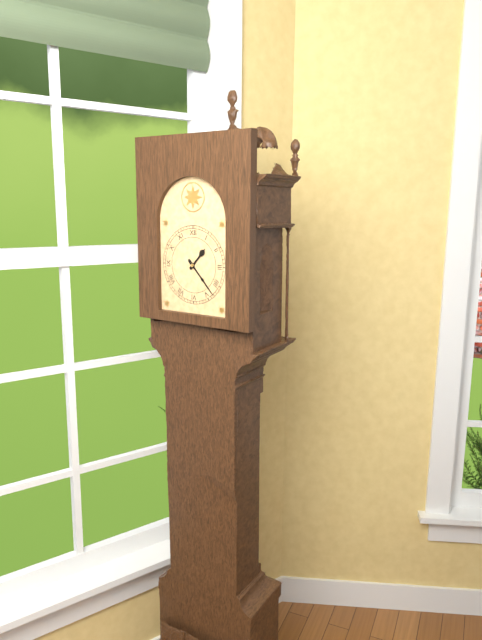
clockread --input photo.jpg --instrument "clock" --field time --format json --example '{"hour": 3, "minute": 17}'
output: {"hour": 1, "minute": 23}
